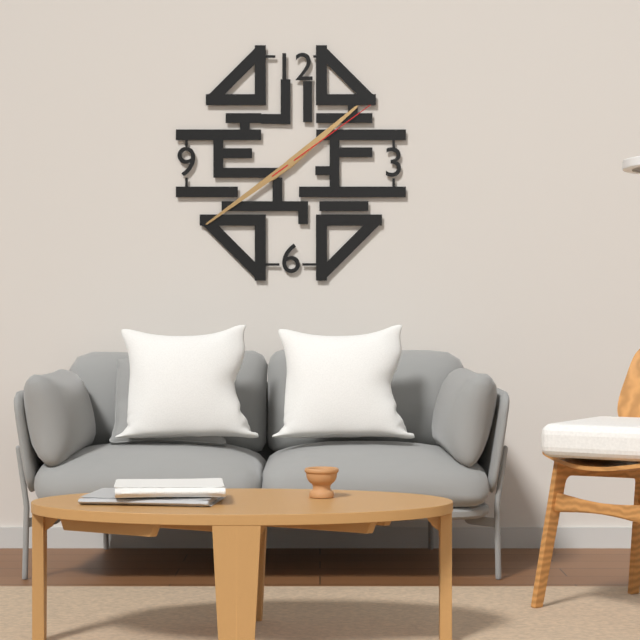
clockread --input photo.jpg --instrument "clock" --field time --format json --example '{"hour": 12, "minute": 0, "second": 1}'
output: {"hour": 1, "minute": 39, "second": 9}
